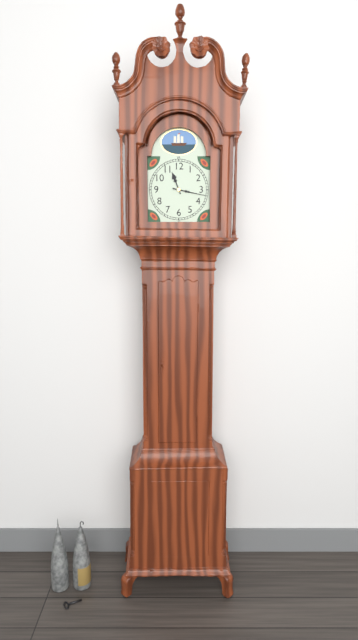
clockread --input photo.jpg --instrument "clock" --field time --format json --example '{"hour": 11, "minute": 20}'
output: {"hour": 11, "minute": 17}
